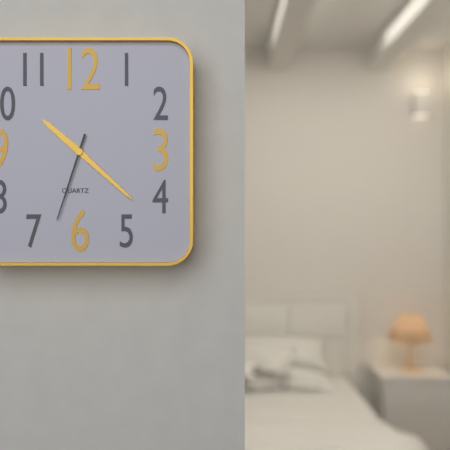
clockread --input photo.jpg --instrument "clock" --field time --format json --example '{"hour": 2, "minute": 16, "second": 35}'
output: {"hour": 10, "minute": 22, "second": 33}
